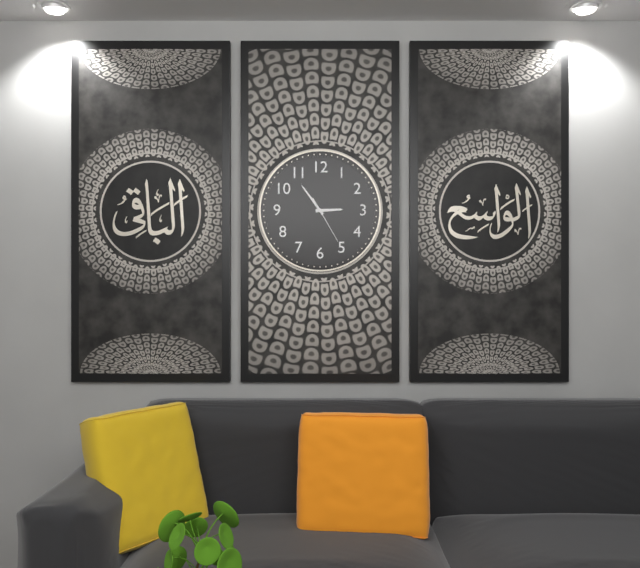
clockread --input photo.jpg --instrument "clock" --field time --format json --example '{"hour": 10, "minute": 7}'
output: {"hour": 2, "minute": 54}
